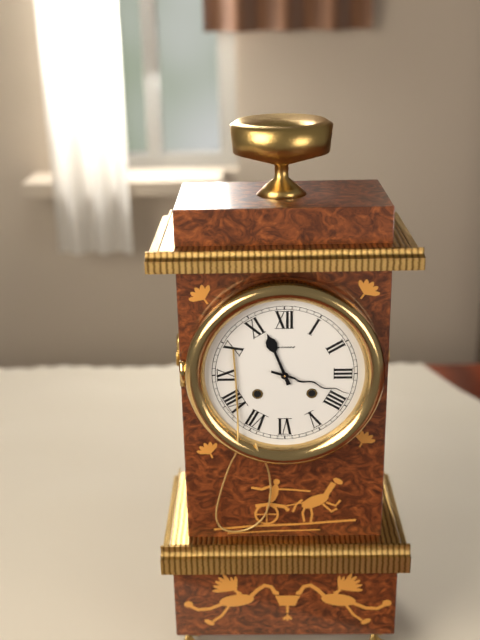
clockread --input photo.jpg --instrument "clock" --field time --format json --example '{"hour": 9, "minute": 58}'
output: {"hour": 11, "minute": 18}
